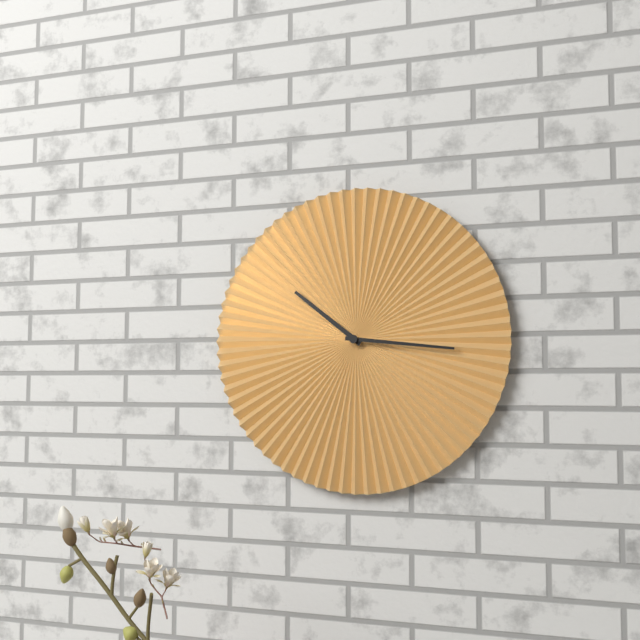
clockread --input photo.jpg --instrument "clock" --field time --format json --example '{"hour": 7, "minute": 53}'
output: {"hour": 10, "minute": 16}
